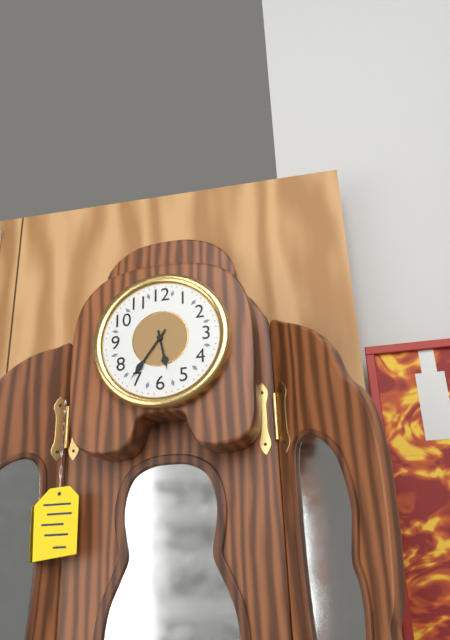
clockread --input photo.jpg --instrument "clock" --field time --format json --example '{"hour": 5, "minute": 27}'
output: {"hour": 5, "minute": 36}
